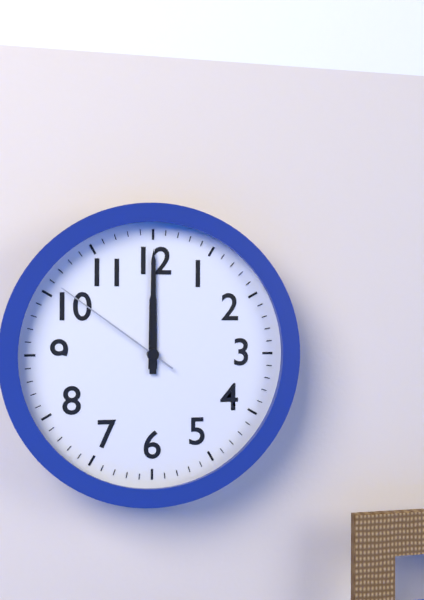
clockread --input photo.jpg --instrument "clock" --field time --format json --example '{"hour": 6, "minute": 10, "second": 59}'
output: {"hour": 12, "minute": 0, "second": 51}
